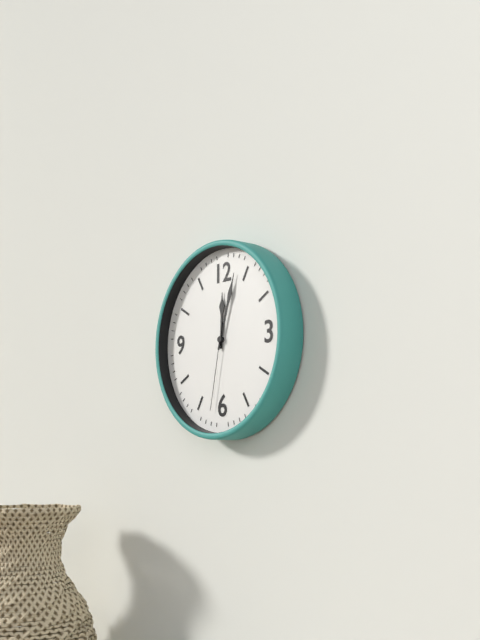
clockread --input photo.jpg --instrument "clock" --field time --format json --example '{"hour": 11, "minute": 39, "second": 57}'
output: {"hour": 12, "minute": 3, "second": 32}
